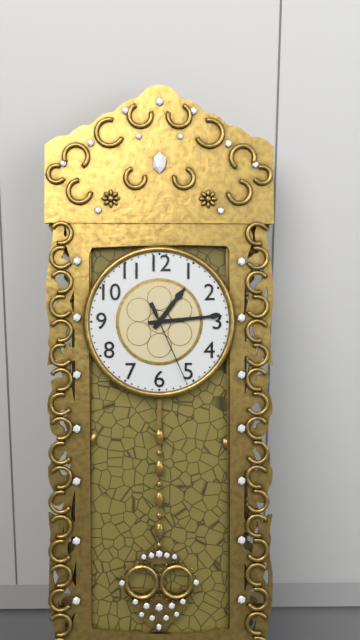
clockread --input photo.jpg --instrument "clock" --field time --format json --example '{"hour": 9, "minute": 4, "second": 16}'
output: {"hour": 1, "minute": 14, "second": 26}
